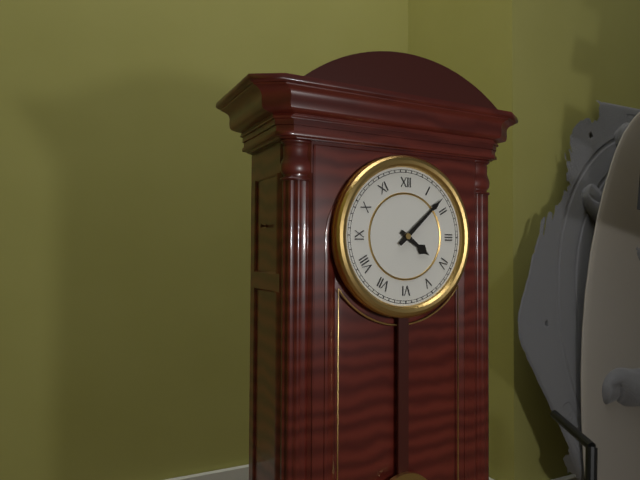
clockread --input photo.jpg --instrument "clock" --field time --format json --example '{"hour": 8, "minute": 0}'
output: {"hour": 4, "minute": 8}
